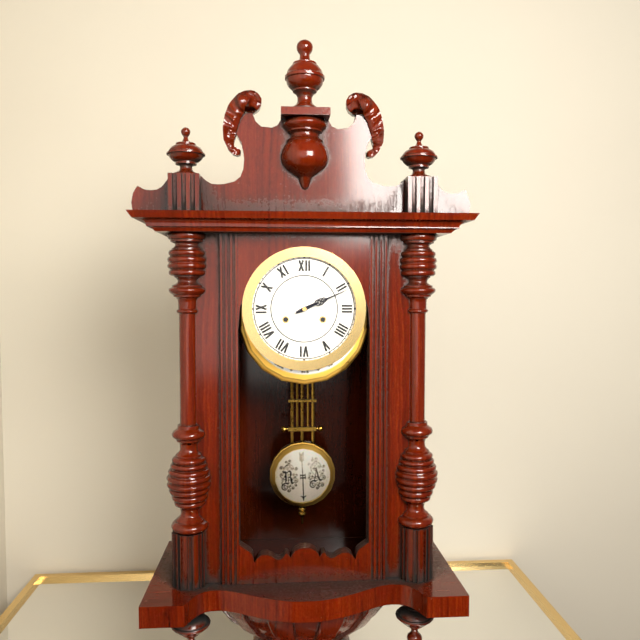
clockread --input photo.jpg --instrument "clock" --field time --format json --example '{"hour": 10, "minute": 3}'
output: {"hour": 2, "minute": 11}
